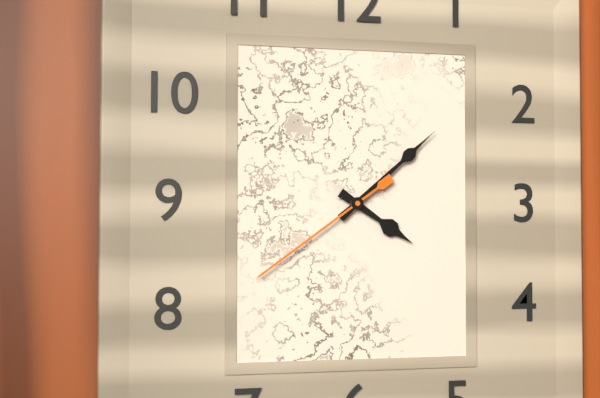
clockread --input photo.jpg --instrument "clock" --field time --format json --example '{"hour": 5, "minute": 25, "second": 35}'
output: {"hour": 4, "minute": 8, "second": 39}
